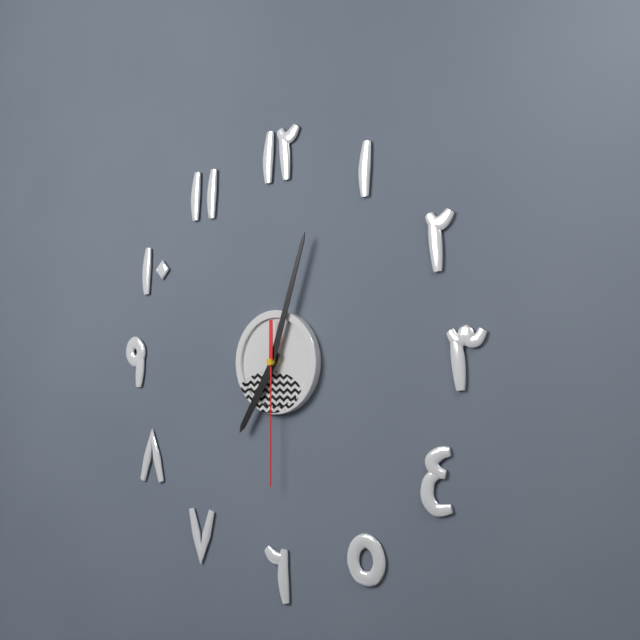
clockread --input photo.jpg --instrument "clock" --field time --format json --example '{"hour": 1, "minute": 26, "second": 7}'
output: {"hour": 7, "minute": 3, "second": 30}
